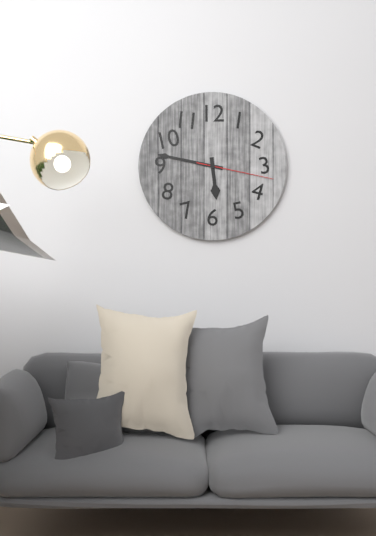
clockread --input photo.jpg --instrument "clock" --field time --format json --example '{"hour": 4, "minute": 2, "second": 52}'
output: {"hour": 5, "minute": 47, "second": 17}
